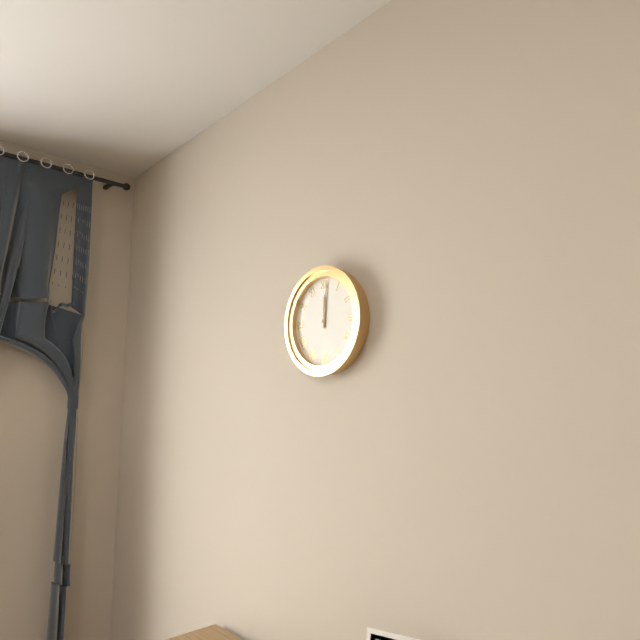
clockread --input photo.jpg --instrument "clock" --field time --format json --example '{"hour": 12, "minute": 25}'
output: {"hour": 12, "minute": 1}
